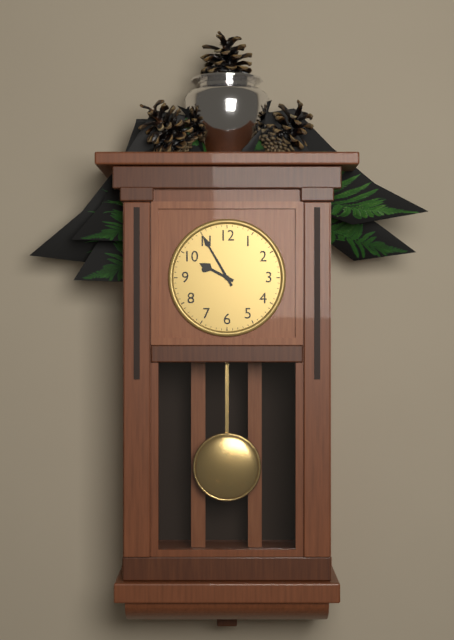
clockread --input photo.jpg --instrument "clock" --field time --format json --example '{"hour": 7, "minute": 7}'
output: {"hour": 9, "minute": 55}
